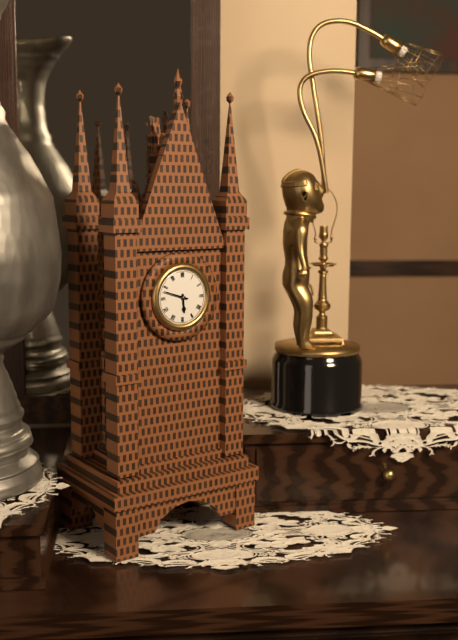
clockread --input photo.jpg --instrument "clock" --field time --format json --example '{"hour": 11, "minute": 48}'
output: {"hour": 5, "minute": 48}
